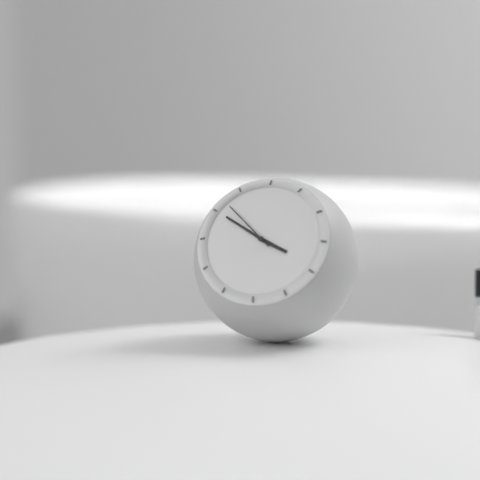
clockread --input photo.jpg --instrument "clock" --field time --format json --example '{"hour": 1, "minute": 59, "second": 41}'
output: {"hour": 3, "minute": 50, "second": 52}
